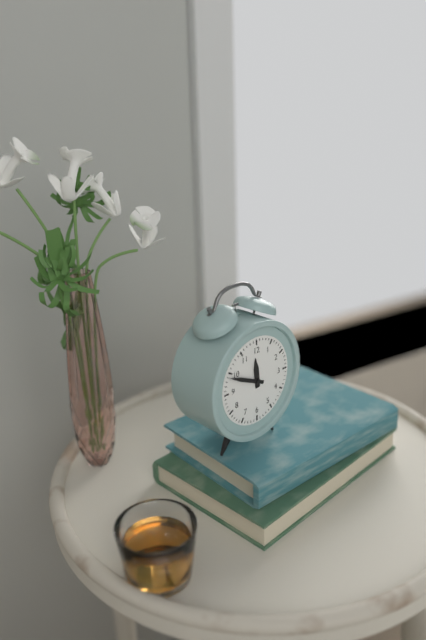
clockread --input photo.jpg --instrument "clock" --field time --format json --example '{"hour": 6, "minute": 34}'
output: {"hour": 11, "minute": 49}
